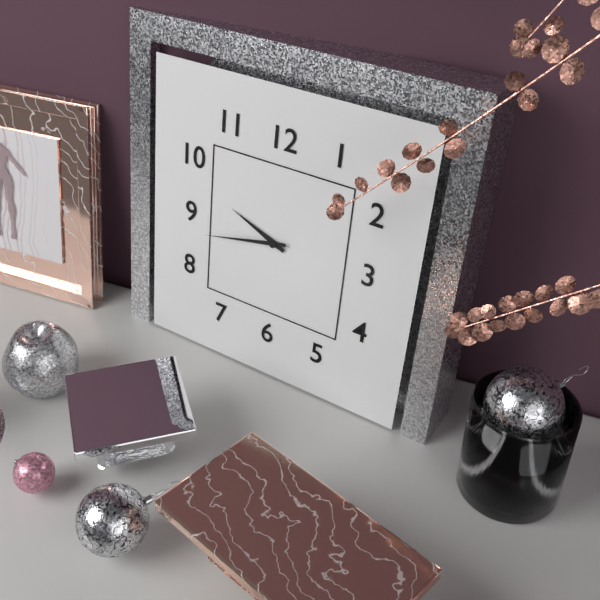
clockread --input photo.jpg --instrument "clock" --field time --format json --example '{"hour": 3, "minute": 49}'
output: {"hour": 9, "minute": 43}
